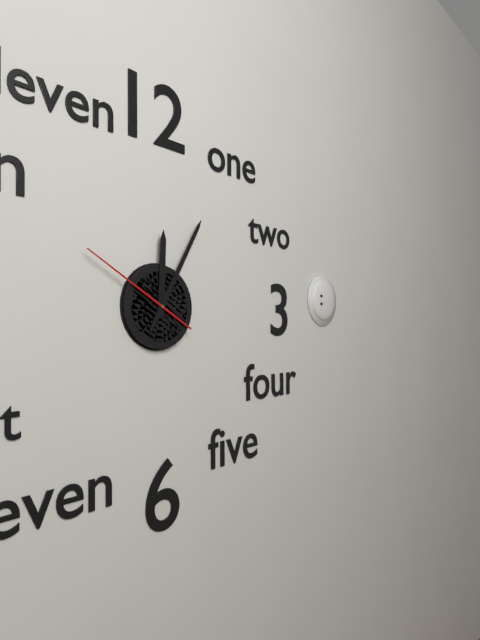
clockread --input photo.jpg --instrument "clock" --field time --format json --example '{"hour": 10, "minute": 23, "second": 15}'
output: {"hour": 12, "minute": 5, "second": 50}
